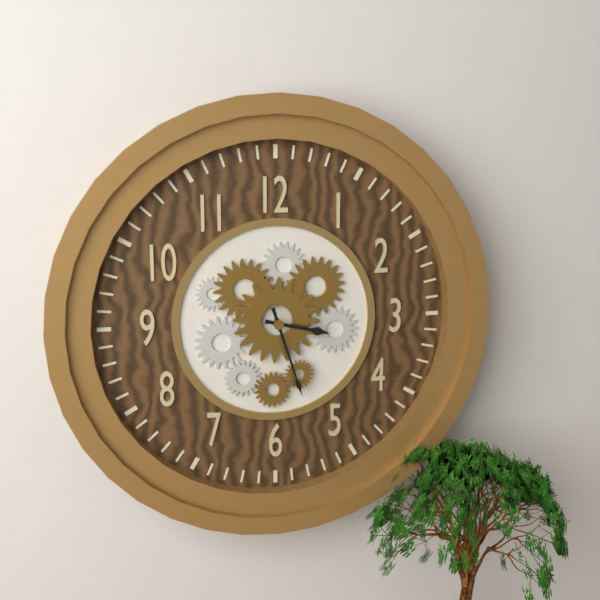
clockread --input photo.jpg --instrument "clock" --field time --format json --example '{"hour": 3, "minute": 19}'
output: {"hour": 3, "minute": 27}
